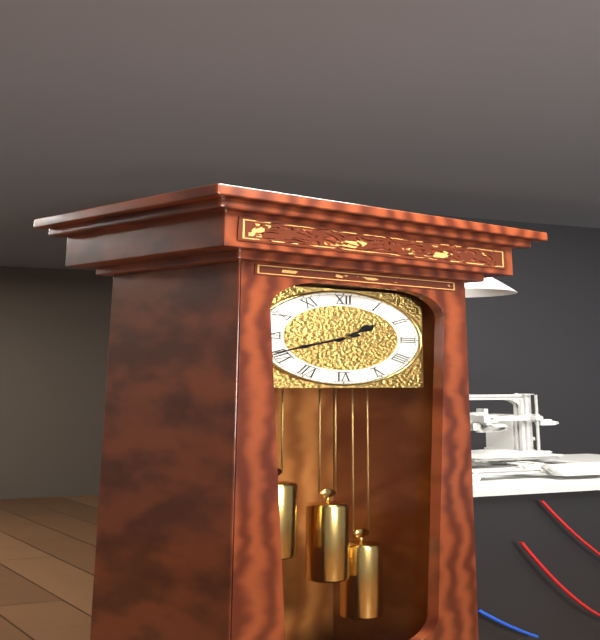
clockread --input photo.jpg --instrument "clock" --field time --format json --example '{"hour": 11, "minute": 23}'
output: {"hour": 1, "minute": 41}
